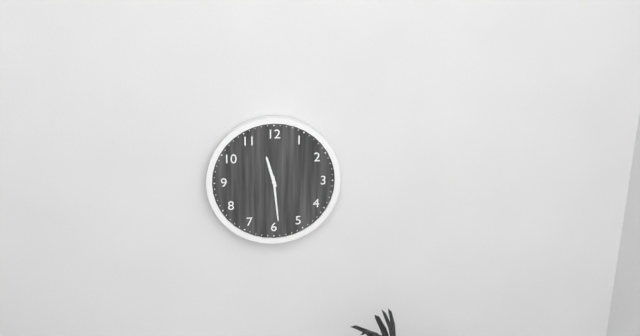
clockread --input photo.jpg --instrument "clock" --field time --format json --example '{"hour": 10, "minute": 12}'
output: {"hour": 11, "minute": 29}
